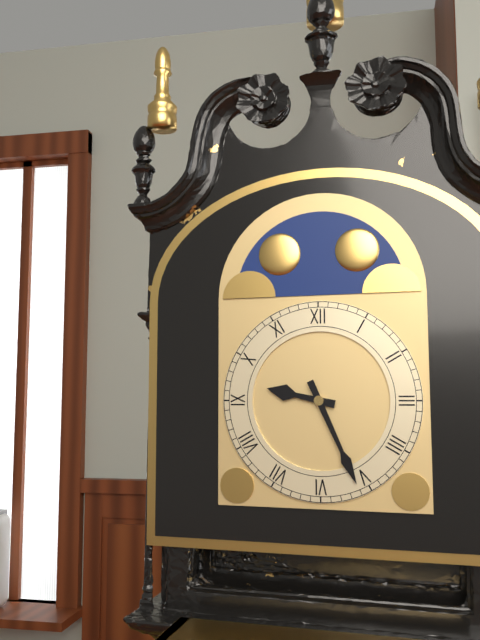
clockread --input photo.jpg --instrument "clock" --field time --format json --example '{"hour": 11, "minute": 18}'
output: {"hour": 9, "minute": 26}
